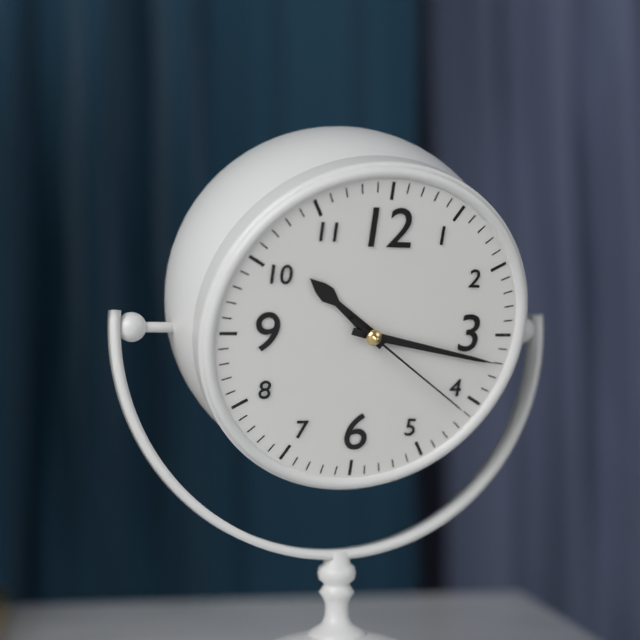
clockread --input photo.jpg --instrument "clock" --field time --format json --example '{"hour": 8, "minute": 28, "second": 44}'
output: {"hour": 10, "minute": 17, "second": 21}
